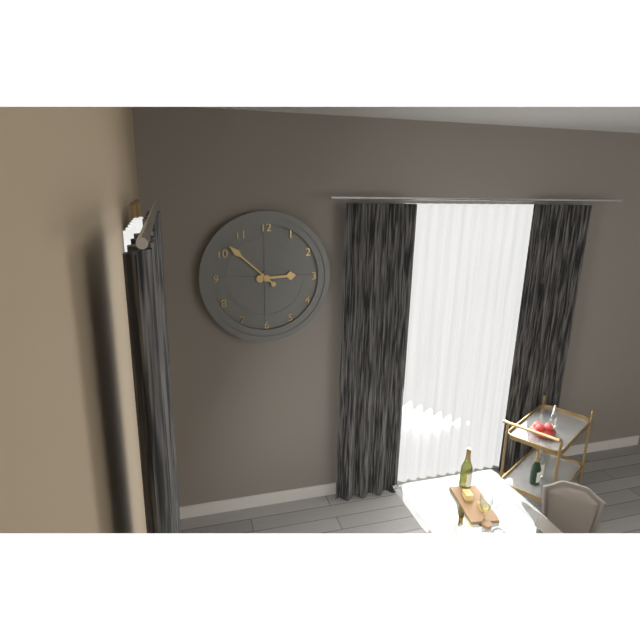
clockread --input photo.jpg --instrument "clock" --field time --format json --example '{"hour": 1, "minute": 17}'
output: {"hour": 2, "minute": 52}
